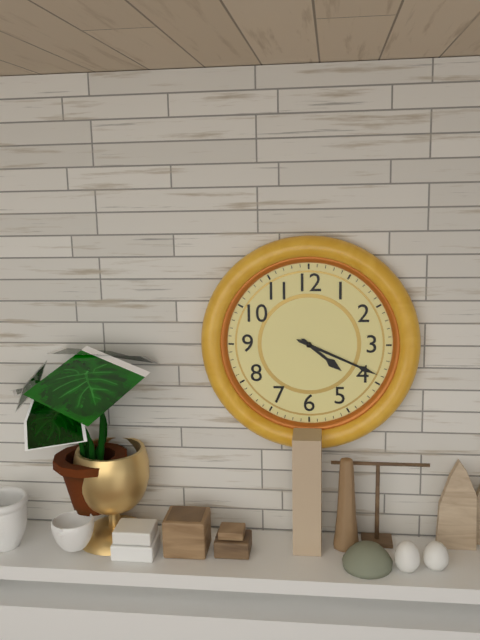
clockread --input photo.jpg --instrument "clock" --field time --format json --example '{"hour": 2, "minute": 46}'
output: {"hour": 4, "minute": 19}
